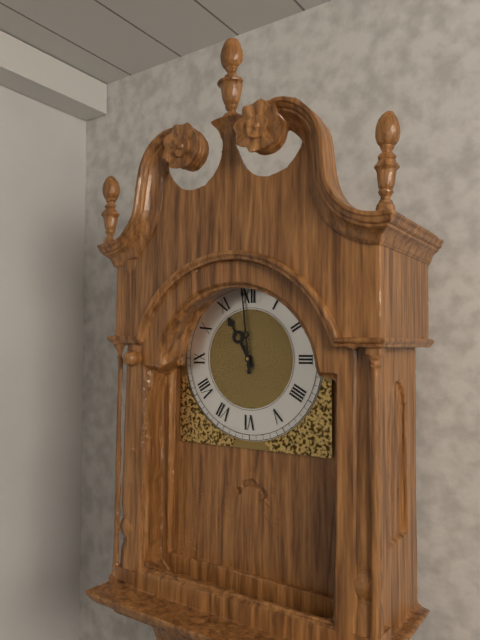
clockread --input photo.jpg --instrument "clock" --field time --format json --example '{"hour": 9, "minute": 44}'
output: {"hour": 10, "minute": 59}
